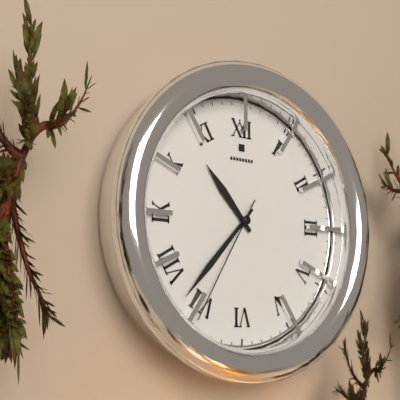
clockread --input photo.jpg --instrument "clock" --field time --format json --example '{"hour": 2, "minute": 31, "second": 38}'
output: {"hour": 10, "minute": 37, "second": 35}
